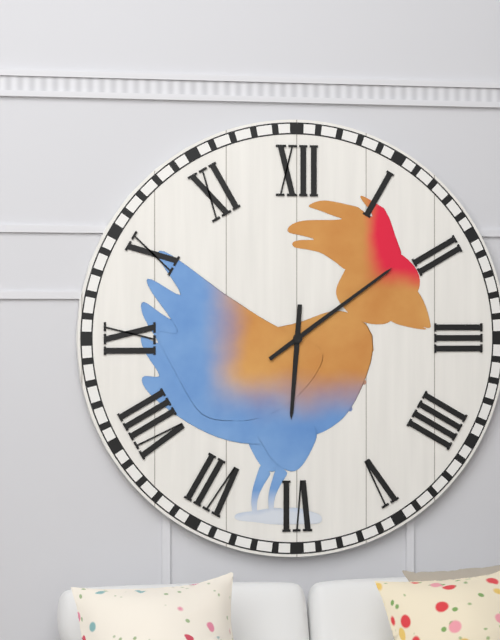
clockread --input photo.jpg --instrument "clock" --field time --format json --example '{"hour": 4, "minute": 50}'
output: {"hour": 6, "minute": 9}
